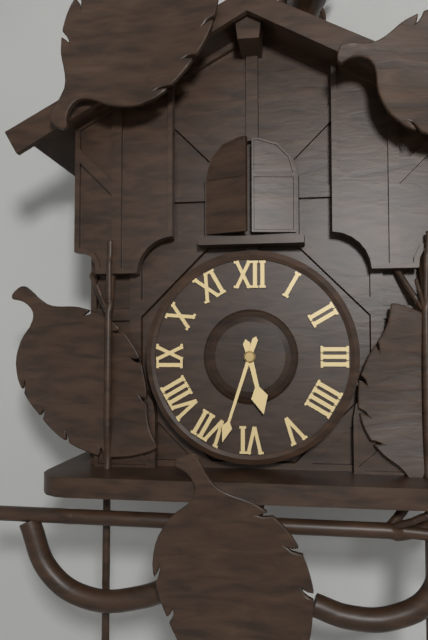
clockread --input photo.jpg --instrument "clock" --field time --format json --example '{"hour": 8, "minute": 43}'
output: {"hour": 5, "minute": 33}
